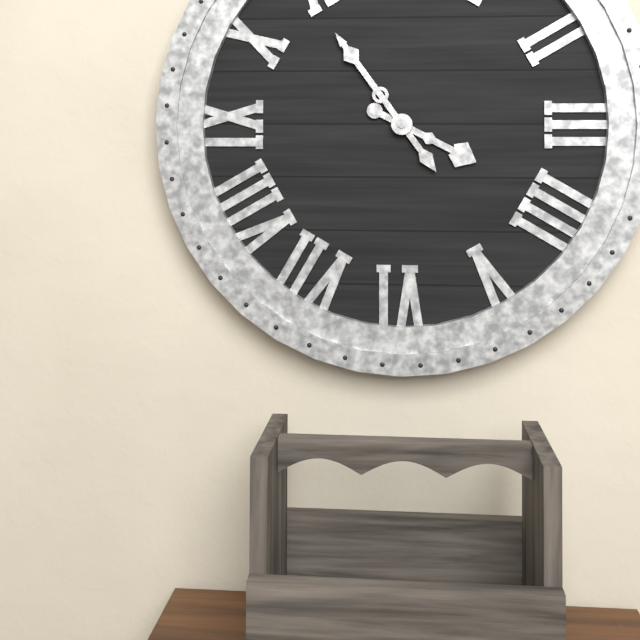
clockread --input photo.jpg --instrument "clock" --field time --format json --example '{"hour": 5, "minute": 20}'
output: {"hour": 3, "minute": 54}
